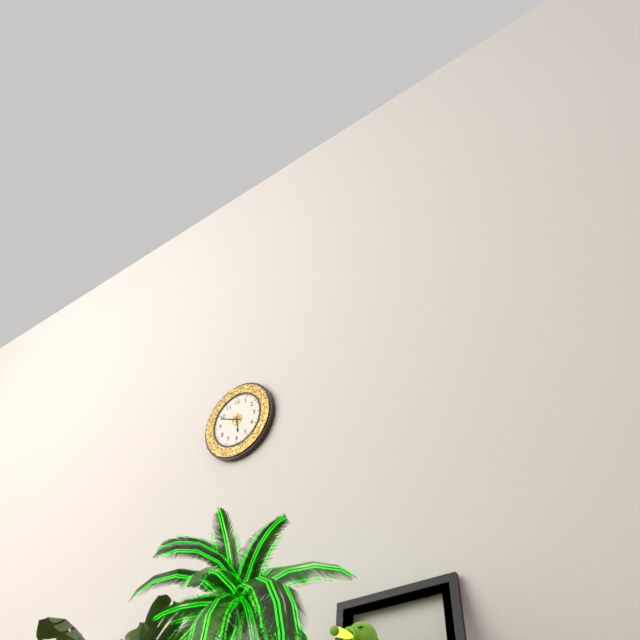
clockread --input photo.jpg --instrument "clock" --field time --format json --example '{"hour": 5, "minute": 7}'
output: {"hour": 5, "minute": 49}
